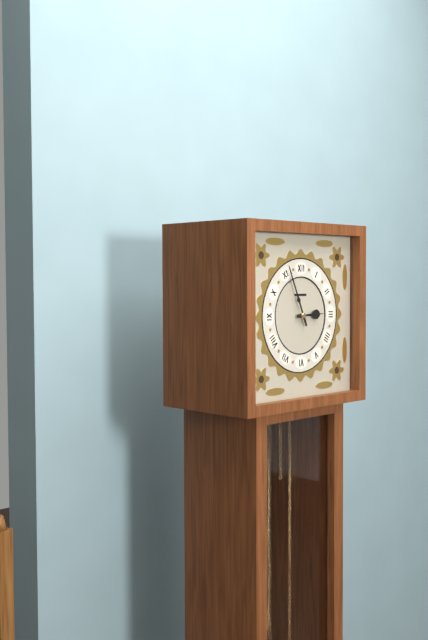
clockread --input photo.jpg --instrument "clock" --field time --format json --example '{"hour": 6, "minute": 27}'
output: {"hour": 2, "minute": 56}
